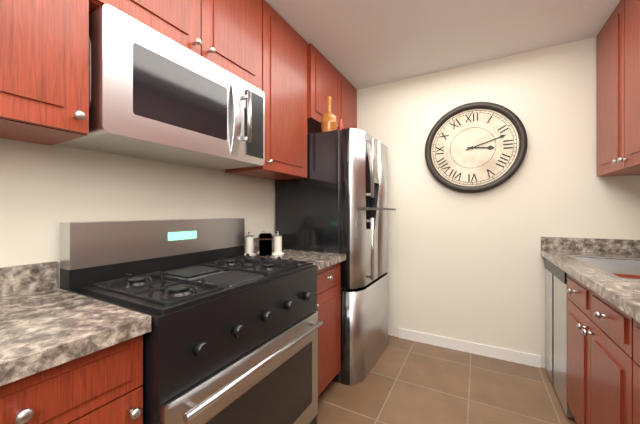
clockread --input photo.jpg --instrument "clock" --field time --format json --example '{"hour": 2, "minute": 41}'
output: {"hour": 3, "minute": 12}
